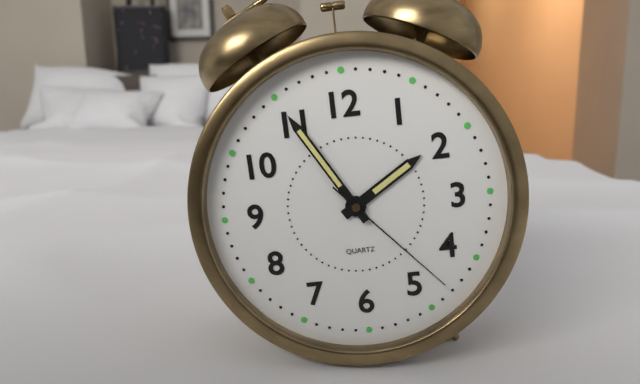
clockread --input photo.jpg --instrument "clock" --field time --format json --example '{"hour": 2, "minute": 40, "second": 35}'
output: {"hour": 1, "minute": 55, "second": 23}
